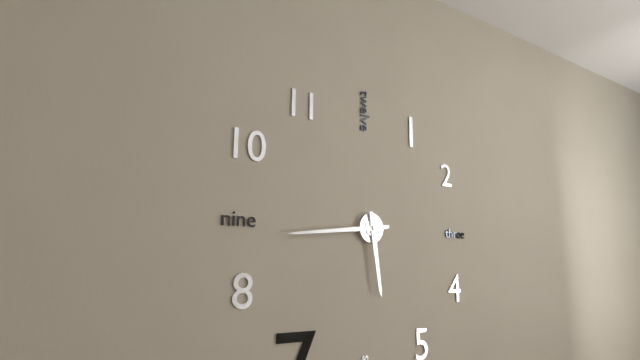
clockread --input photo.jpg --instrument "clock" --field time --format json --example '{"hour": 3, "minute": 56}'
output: {"hour": 5, "minute": 44}
